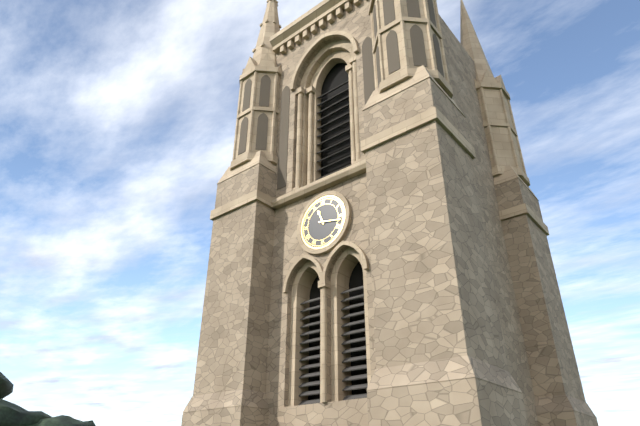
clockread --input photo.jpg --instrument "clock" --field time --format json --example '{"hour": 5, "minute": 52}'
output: {"hour": 11, "minute": 17}
